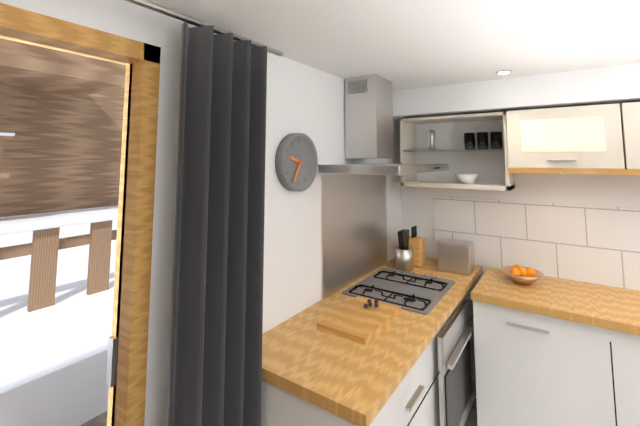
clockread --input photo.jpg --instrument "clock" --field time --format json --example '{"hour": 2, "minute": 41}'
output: {"hour": 9, "minute": 35}
